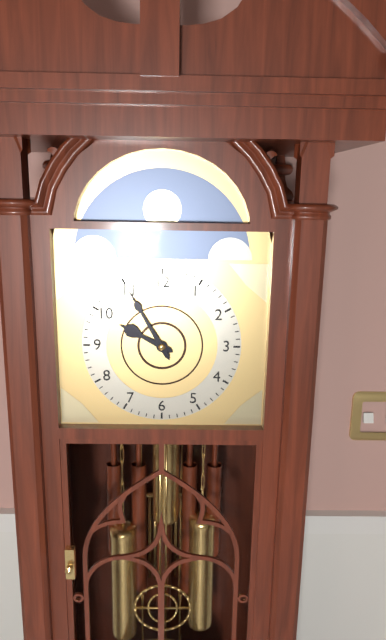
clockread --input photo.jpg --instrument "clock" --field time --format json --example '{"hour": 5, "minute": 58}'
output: {"hour": 9, "minute": 55}
